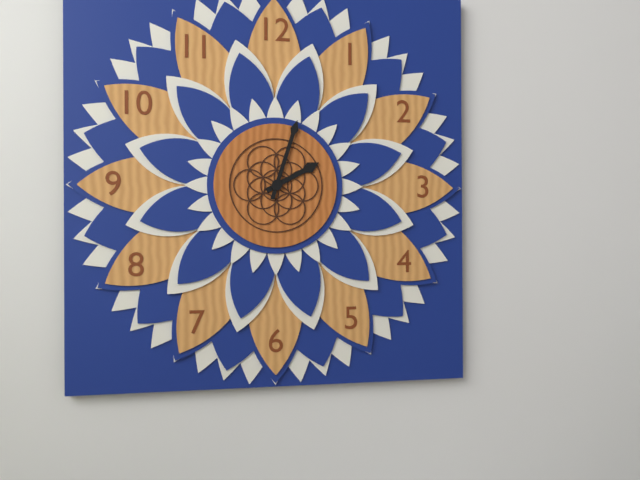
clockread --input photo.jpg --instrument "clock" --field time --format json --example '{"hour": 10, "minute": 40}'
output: {"hour": 2, "minute": 3}
